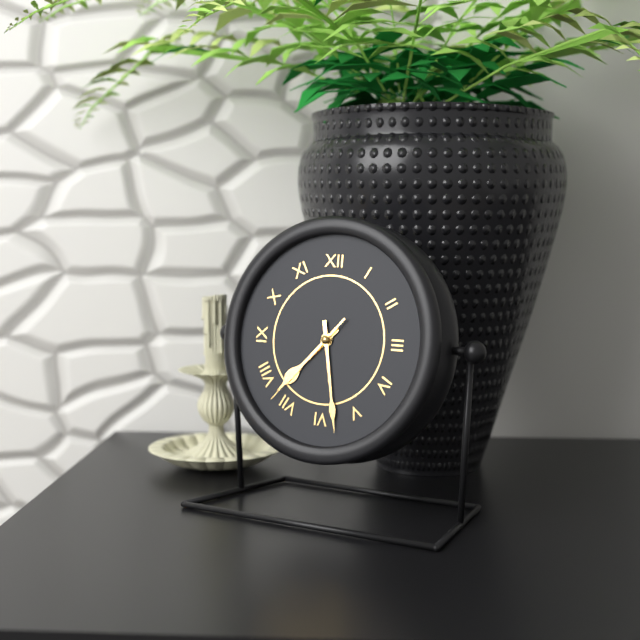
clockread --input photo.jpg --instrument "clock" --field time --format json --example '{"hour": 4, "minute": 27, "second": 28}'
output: {"hour": 7, "minute": 28, "second": 37}
